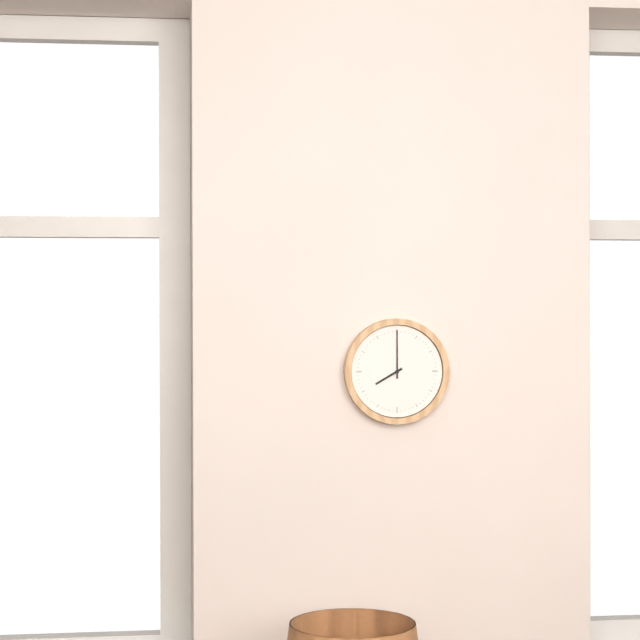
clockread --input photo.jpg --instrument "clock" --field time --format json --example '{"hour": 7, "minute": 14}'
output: {"hour": 8, "minute": 0}
